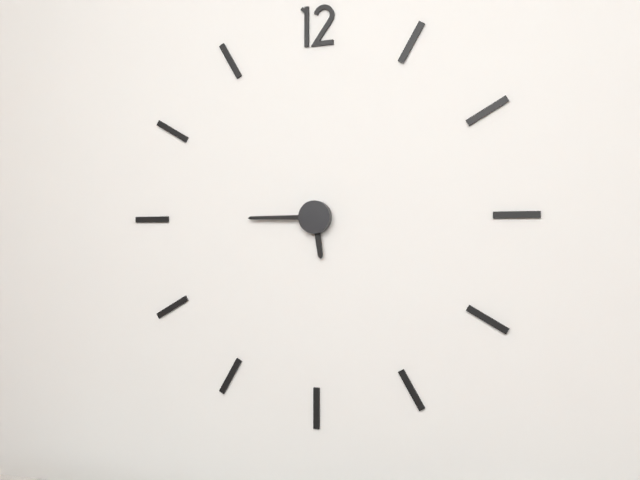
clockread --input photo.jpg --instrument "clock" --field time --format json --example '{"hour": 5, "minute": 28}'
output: {"hour": 5, "minute": 45}
